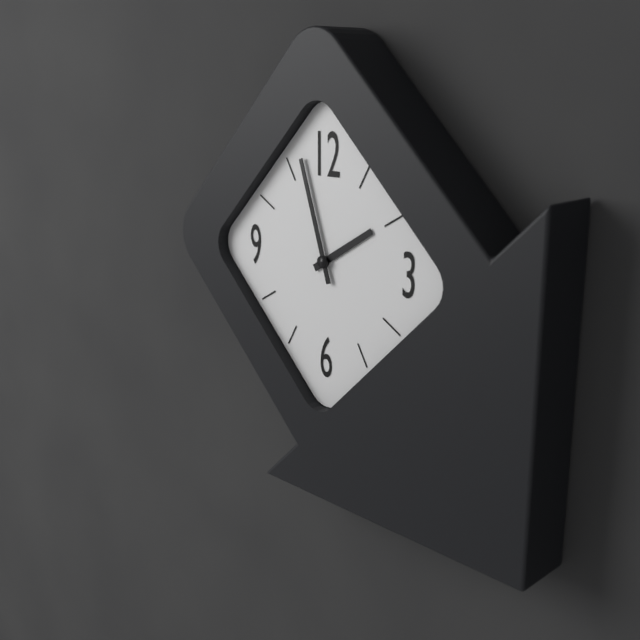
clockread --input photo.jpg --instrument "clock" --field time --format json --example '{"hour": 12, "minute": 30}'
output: {"hour": 1, "minute": 57}
